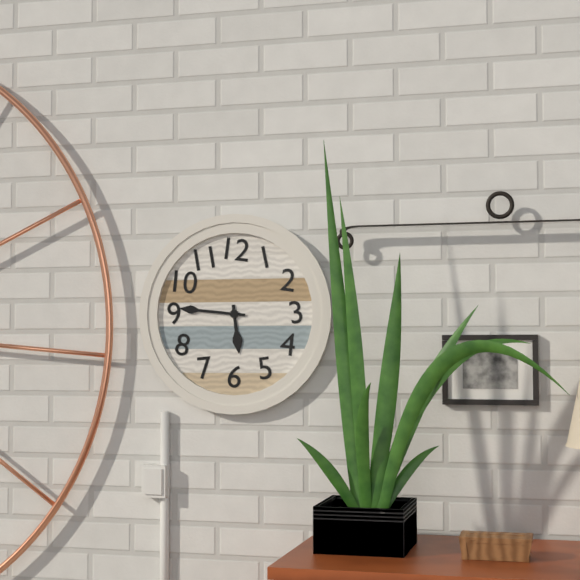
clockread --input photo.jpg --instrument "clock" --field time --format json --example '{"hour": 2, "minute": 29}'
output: {"hour": 5, "minute": 46}
